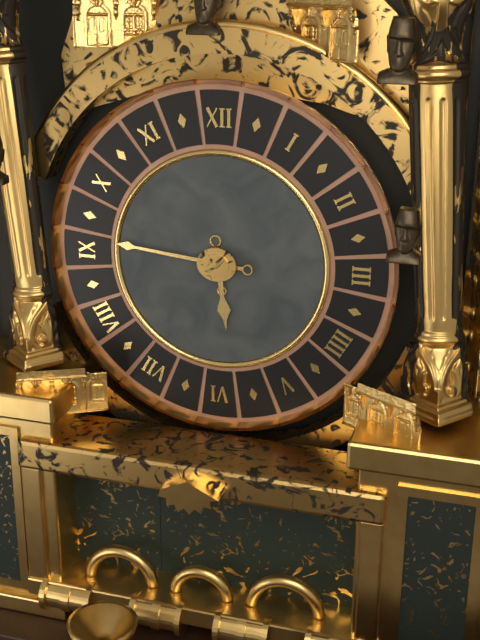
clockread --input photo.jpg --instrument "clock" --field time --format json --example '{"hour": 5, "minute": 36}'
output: {"hour": 5, "minute": 46}
